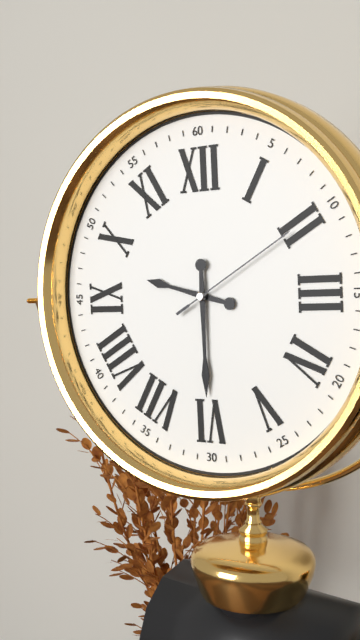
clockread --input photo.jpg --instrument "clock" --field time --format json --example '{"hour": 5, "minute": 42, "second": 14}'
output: {"hour": 9, "minute": 30, "second": 10}
